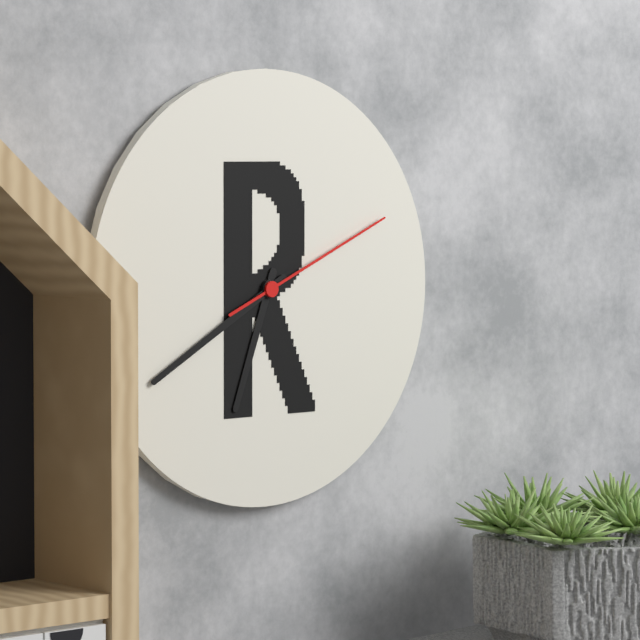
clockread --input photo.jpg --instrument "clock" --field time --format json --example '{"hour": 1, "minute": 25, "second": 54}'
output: {"hour": 6, "minute": 40, "second": 11}
